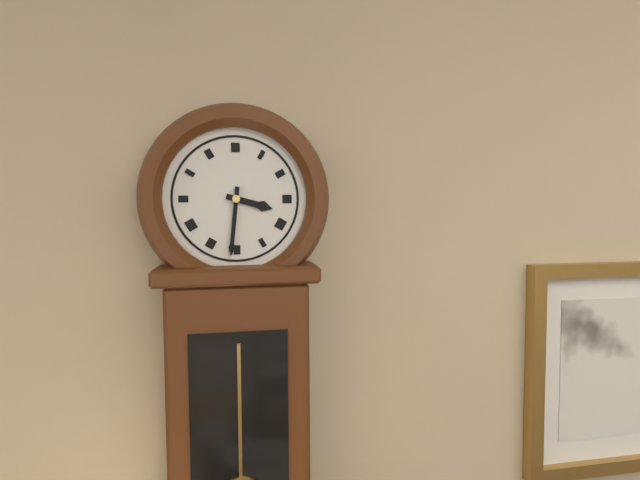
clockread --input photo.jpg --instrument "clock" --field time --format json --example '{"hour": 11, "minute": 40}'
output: {"hour": 3, "minute": 31}
